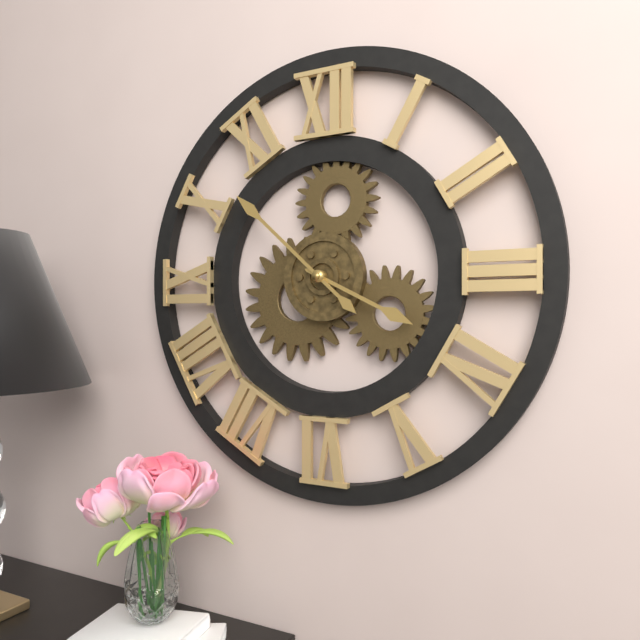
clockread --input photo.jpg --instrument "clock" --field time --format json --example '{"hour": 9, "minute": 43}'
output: {"hour": 3, "minute": 52}
